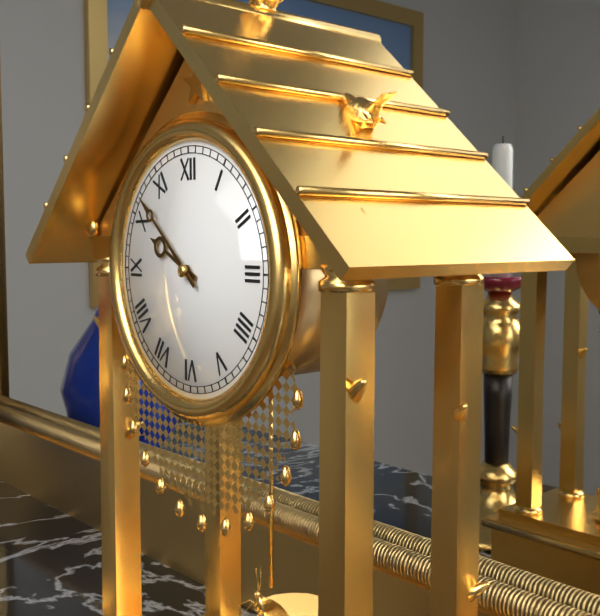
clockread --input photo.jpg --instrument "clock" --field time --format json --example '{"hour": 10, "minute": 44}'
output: {"hour": 9, "minute": 52}
